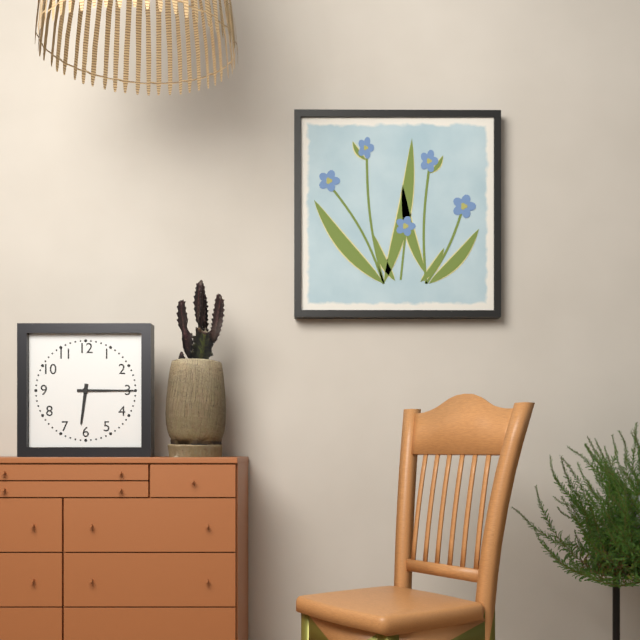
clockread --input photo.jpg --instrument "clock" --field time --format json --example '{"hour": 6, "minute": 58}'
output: {"hour": 6, "minute": 15}
